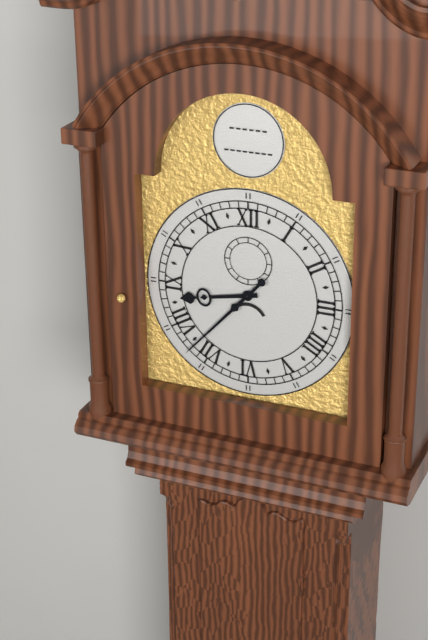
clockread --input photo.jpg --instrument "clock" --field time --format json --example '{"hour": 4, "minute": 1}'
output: {"hour": 8, "minute": 37}
